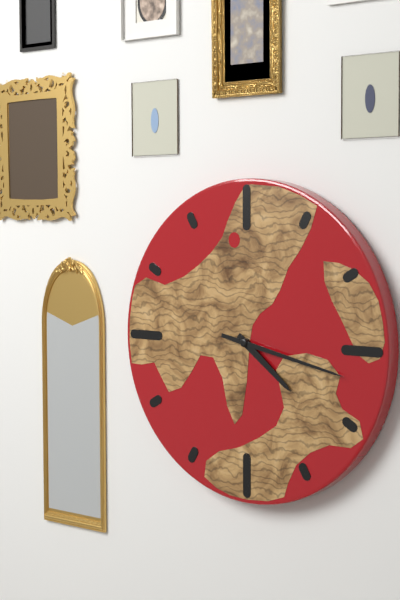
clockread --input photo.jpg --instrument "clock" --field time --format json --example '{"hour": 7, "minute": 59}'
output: {"hour": 4, "minute": 17}
